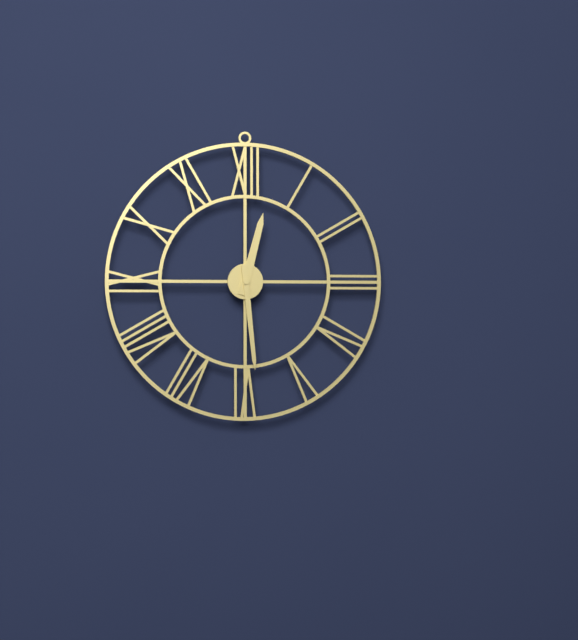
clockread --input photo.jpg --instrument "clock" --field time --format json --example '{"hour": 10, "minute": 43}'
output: {"hour": 12, "minute": 29}
